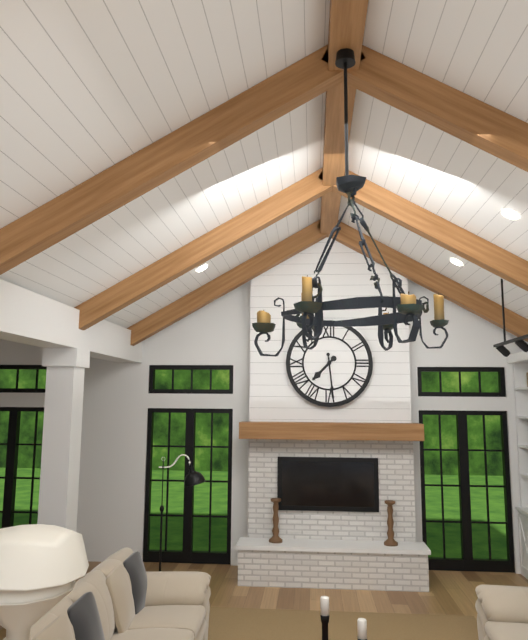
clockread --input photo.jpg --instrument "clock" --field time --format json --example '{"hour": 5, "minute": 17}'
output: {"hour": 7, "minute": 29}
